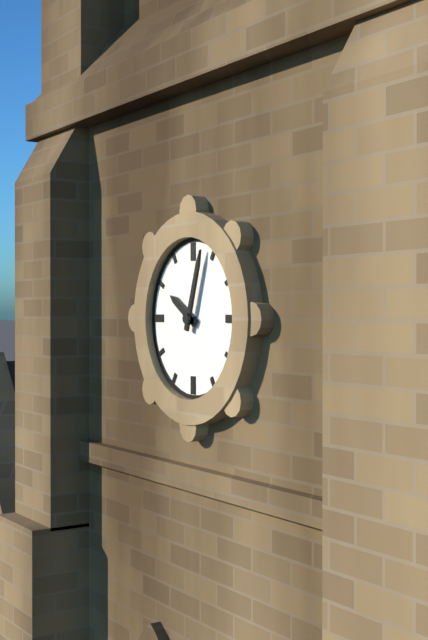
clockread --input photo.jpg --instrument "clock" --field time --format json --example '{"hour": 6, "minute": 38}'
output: {"hour": 10, "minute": 3}
